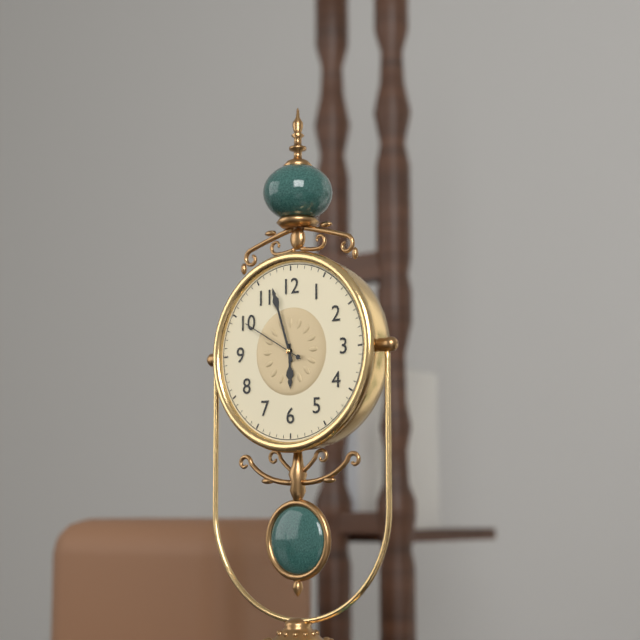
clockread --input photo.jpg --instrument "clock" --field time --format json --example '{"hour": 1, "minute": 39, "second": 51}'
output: {"hour": 5, "minute": 57, "second": 50}
